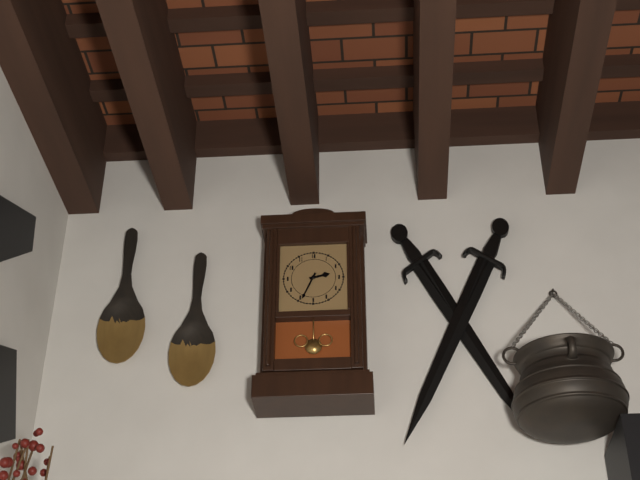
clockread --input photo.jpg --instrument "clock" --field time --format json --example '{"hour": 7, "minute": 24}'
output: {"hour": 2, "minute": 34}
